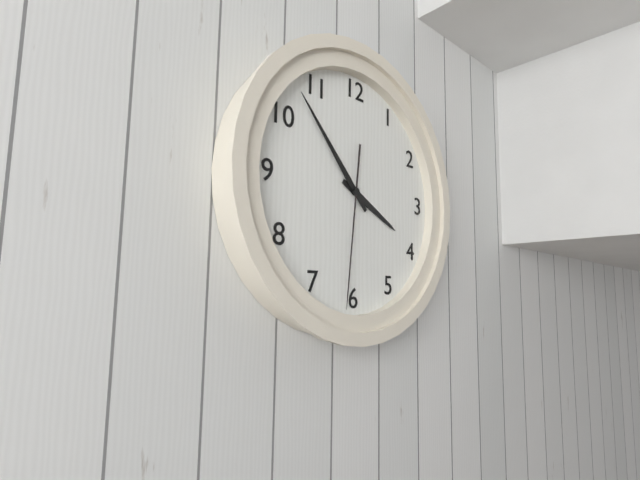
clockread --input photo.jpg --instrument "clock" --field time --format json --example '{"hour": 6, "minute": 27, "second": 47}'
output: {"hour": 3, "minute": 53, "second": 31}
